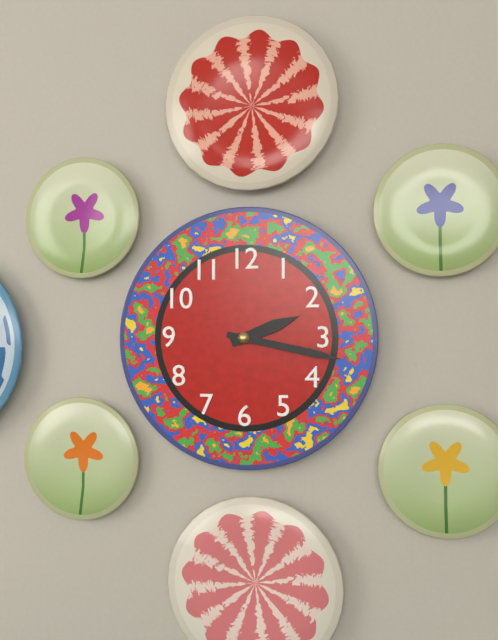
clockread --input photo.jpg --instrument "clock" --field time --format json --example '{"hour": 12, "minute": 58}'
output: {"hour": 2, "minute": 17}
